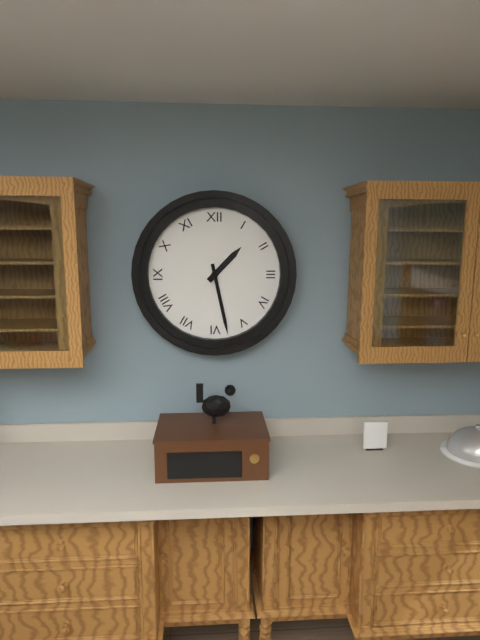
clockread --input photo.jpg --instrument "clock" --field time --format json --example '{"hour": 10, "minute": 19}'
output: {"hour": 1, "minute": 28}
